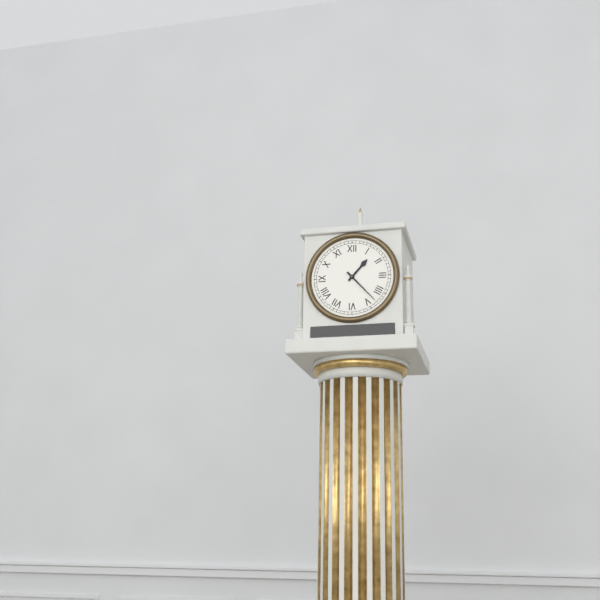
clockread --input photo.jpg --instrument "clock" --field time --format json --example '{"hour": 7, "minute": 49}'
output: {"hour": 1, "minute": 23}
